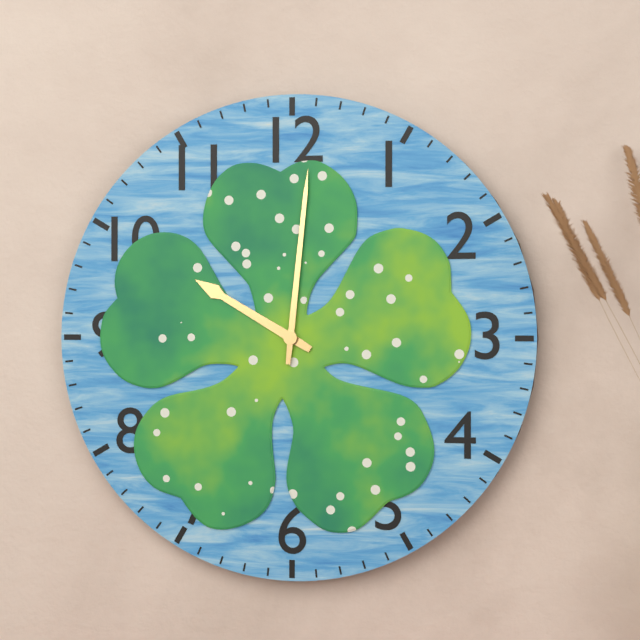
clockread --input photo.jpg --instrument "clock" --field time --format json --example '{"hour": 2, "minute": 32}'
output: {"hour": 10, "minute": 1}
